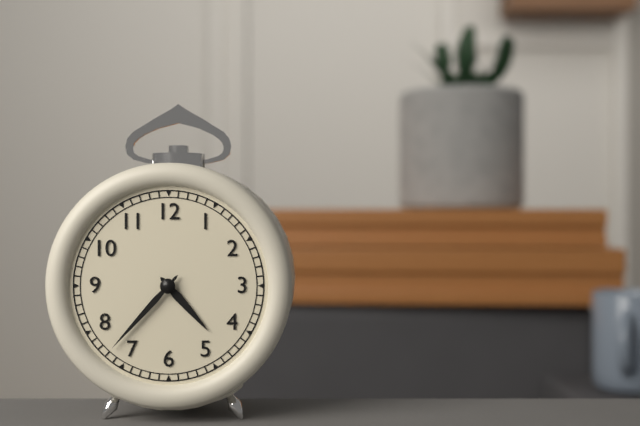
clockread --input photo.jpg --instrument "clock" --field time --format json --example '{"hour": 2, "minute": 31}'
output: {"hour": 4, "minute": 37}
